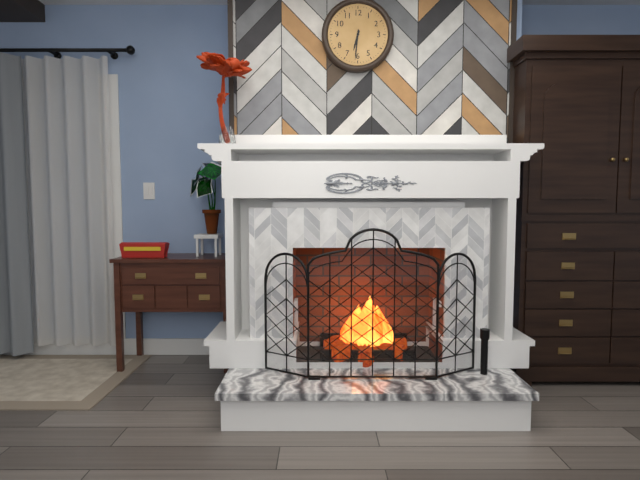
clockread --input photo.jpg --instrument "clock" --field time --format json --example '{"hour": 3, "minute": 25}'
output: {"hour": 6, "minute": 31}
